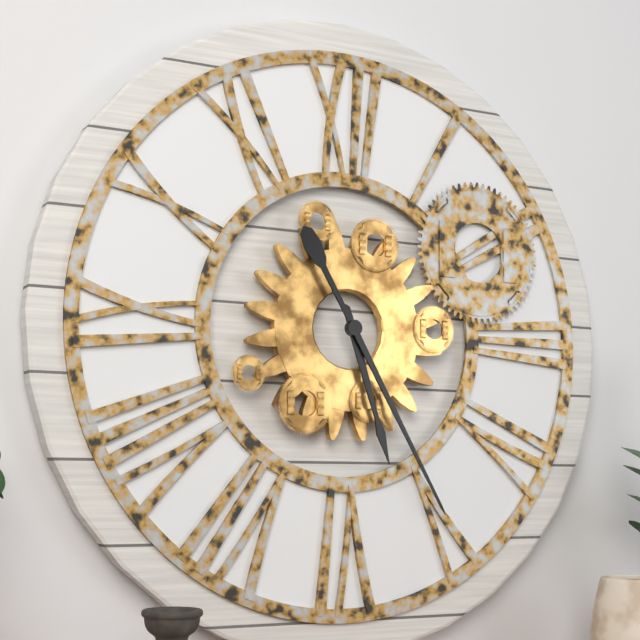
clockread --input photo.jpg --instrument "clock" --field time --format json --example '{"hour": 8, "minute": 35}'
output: {"hour": 5, "minute": 25}
